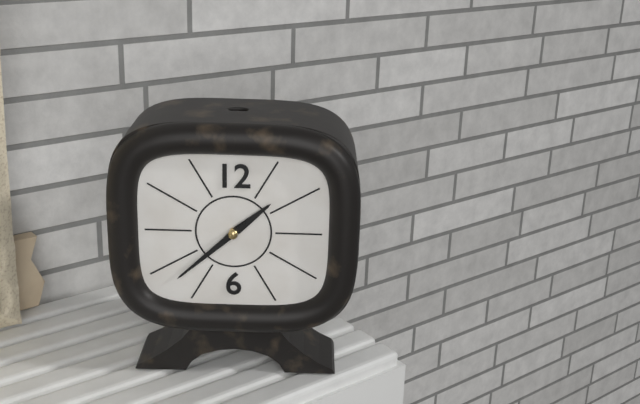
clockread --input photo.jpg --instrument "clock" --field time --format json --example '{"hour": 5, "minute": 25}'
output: {"hour": 1, "minute": 38}
